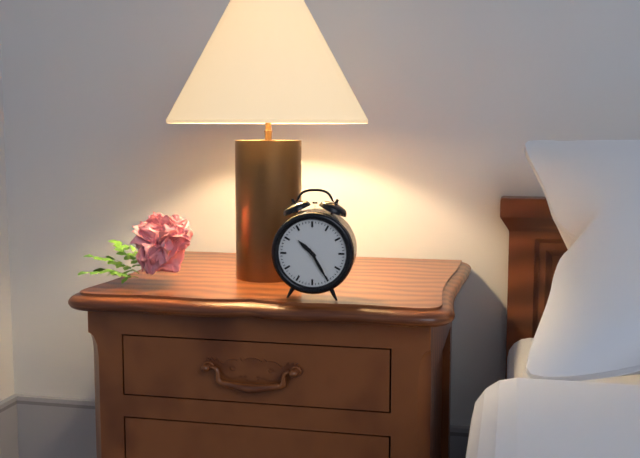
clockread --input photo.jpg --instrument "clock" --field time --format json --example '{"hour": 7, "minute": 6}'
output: {"hour": 10, "minute": 25}
